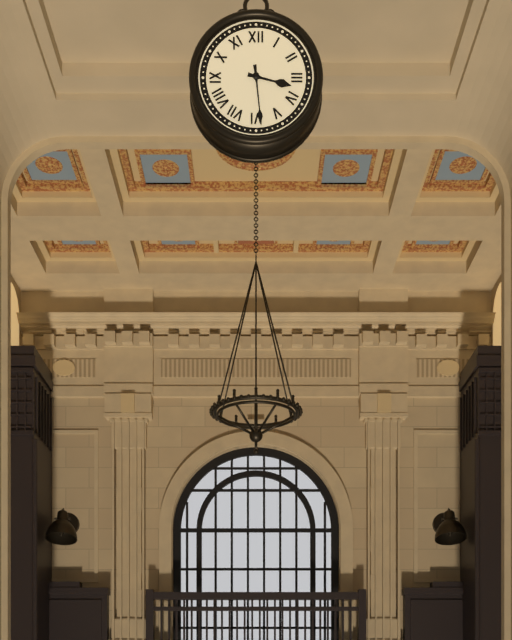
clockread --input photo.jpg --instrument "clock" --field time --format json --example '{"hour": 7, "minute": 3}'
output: {"hour": 3, "minute": 29}
